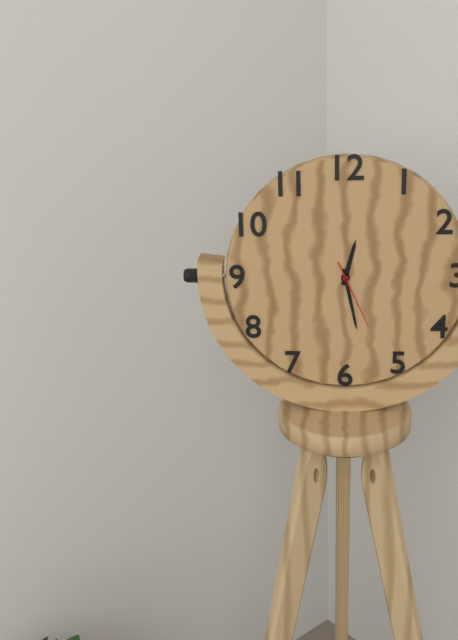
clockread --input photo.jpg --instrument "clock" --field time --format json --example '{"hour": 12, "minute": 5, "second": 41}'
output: {"hour": 12, "minute": 28, "second": 26}
